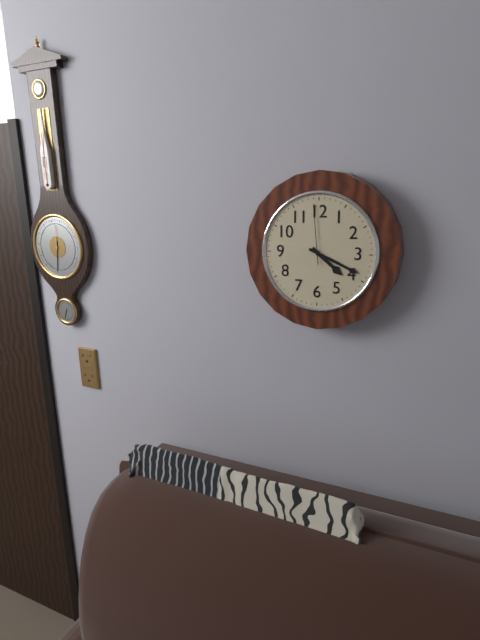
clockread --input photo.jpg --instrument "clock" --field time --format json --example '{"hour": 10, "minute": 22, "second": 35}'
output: {"hour": 4, "minute": 19, "second": 59}
